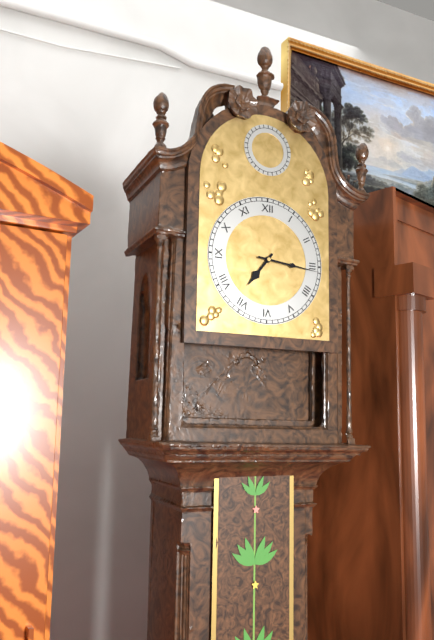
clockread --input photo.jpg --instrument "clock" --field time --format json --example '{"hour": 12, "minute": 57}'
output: {"hour": 7, "minute": 16}
